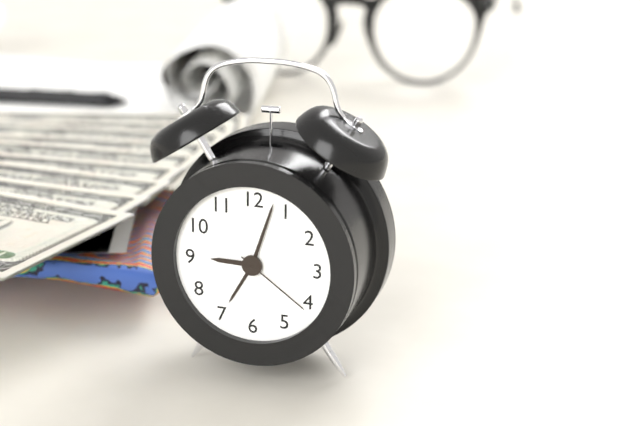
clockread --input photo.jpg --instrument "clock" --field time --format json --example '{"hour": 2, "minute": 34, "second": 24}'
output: {"hour": 9, "minute": 3, "second": 21}
